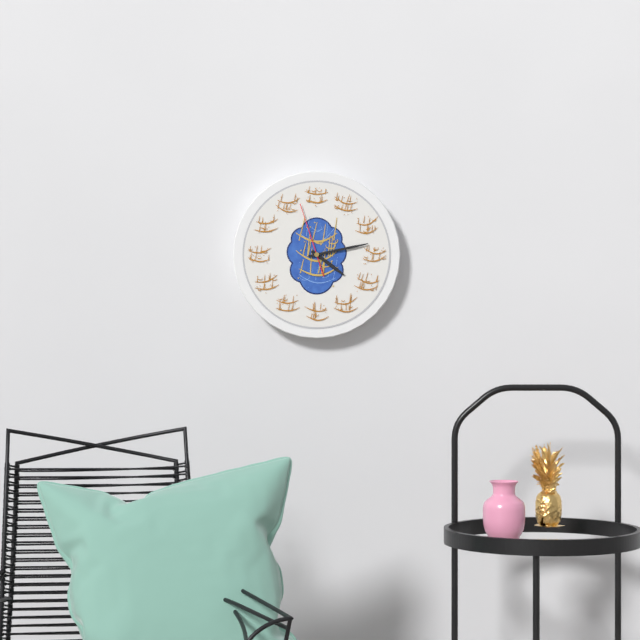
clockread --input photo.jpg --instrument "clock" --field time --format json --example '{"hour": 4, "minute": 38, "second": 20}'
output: {"hour": 4, "minute": 13, "second": 57}
